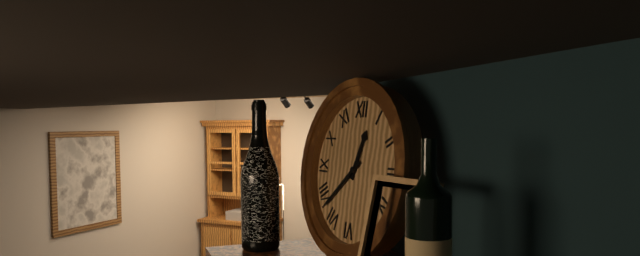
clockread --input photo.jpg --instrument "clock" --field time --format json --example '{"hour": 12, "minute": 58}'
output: {"hour": 12, "minute": 38}
